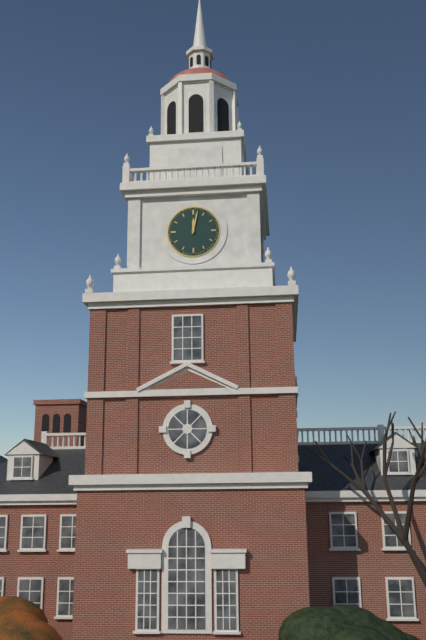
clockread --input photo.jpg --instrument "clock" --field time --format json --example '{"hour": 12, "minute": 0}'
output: {"hour": 12, "minute": 2}
